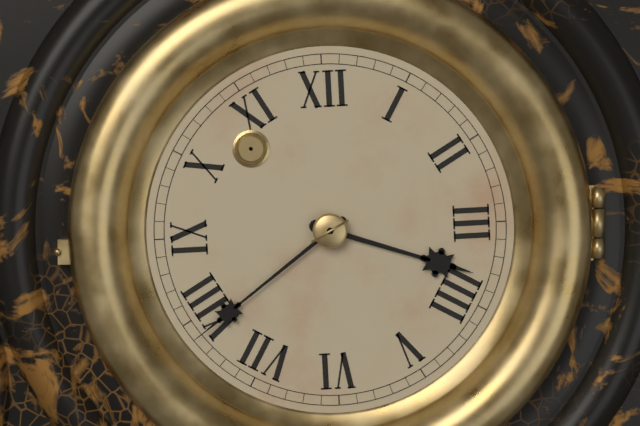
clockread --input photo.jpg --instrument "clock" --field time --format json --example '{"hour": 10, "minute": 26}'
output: {"hour": 3, "minute": 39}
